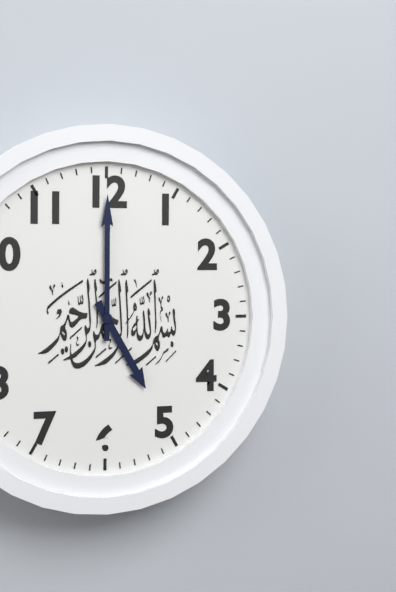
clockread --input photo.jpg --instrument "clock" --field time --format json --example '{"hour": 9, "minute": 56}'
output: {"hour": 5, "minute": 0}
